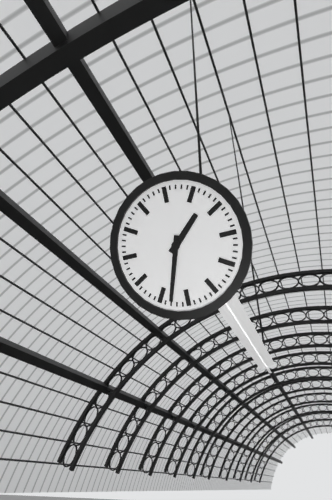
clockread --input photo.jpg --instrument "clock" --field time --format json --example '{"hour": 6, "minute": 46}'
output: {"hour": 1, "minute": 33}
